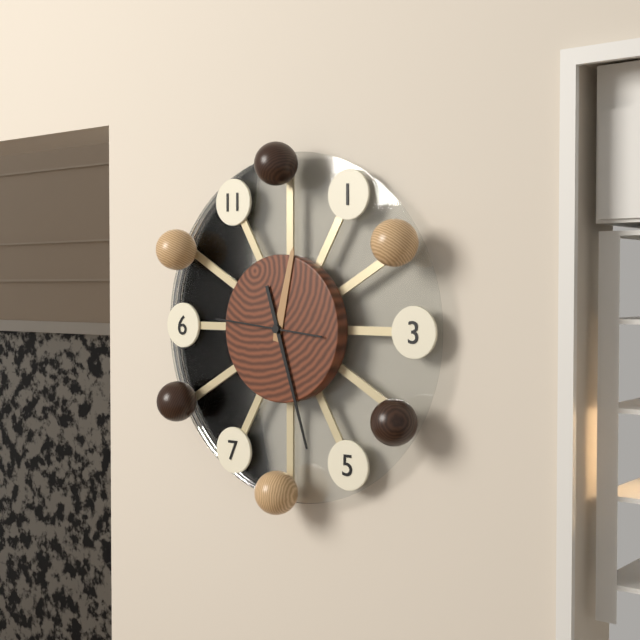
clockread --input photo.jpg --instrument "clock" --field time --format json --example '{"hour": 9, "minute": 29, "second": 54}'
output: {"hour": 12, "minute": 27, "second": 46}
